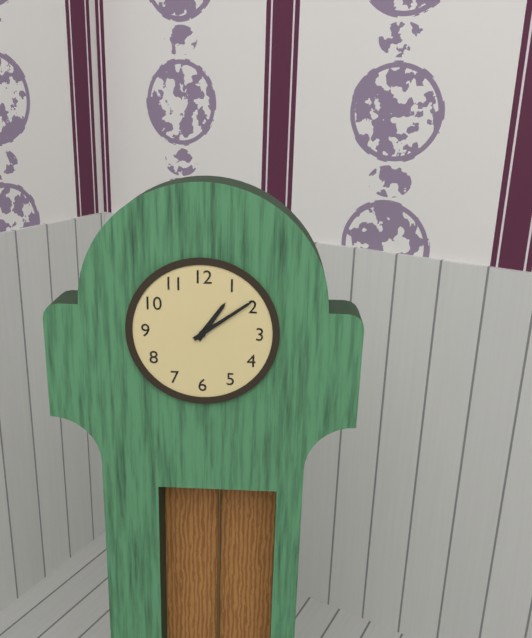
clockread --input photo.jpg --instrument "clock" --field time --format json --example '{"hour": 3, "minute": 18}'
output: {"hour": 1, "minute": 9}
